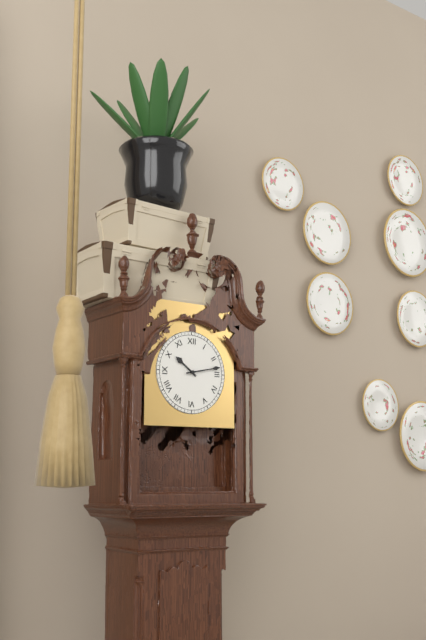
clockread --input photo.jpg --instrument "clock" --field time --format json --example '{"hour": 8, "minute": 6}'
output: {"hour": 10, "minute": 13}
